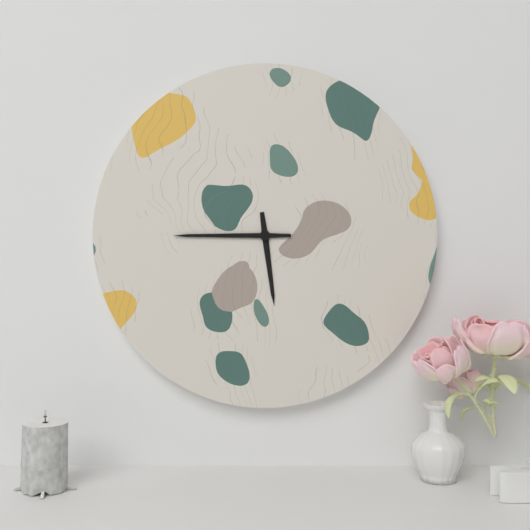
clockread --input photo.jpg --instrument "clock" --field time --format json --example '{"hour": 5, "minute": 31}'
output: {"hour": 5, "minute": 45}
